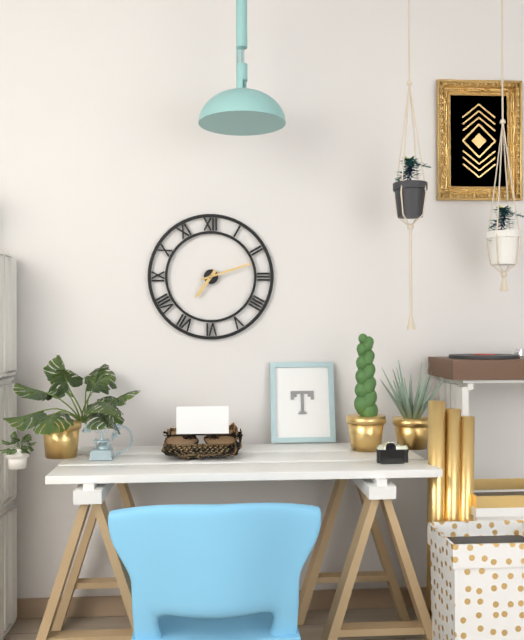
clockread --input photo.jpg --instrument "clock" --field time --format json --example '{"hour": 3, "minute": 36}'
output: {"hour": 7, "minute": 12}
